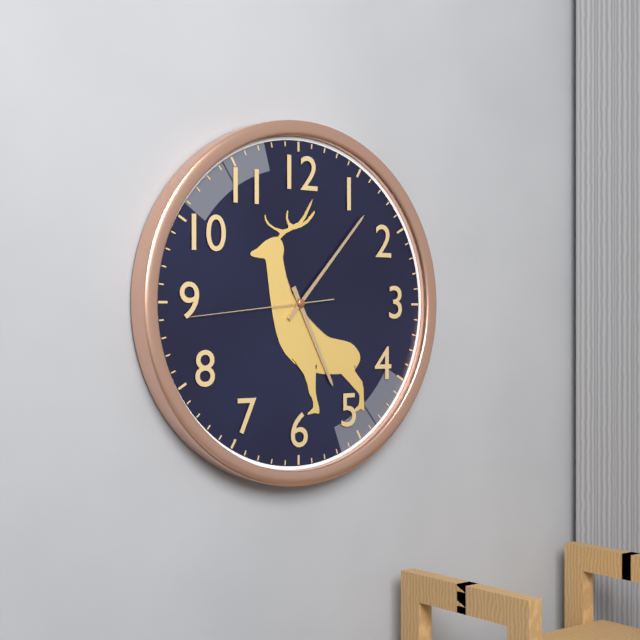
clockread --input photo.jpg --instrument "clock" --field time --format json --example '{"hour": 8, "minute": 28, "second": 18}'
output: {"hour": 5, "minute": 7, "second": 44}
